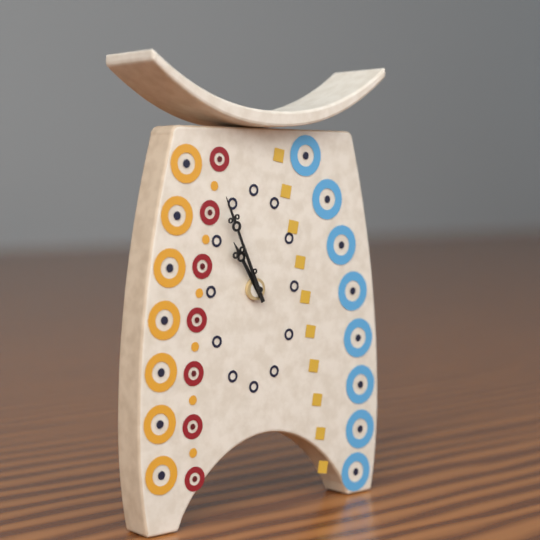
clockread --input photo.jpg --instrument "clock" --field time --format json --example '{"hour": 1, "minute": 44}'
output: {"hour": 10, "minute": 56}
